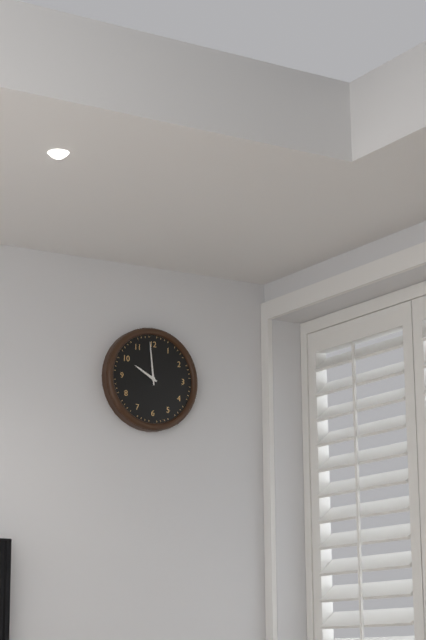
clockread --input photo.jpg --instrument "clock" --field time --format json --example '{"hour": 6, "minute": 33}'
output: {"hour": 9, "minute": 59}
